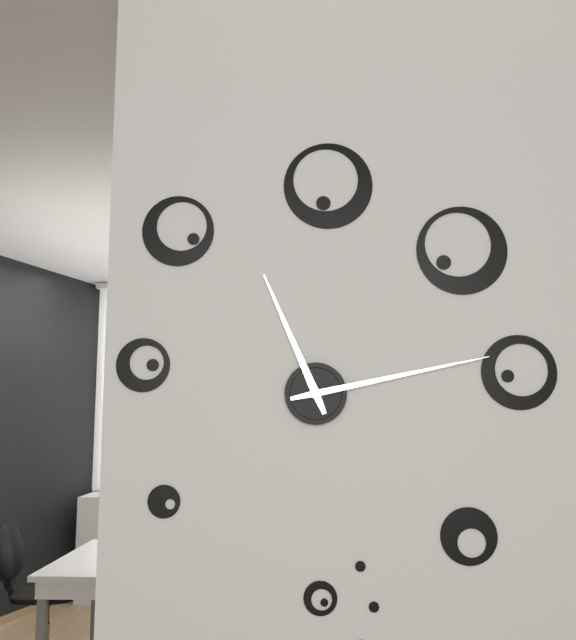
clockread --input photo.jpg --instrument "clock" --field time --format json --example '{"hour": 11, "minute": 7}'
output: {"hour": 11, "minute": 13}
